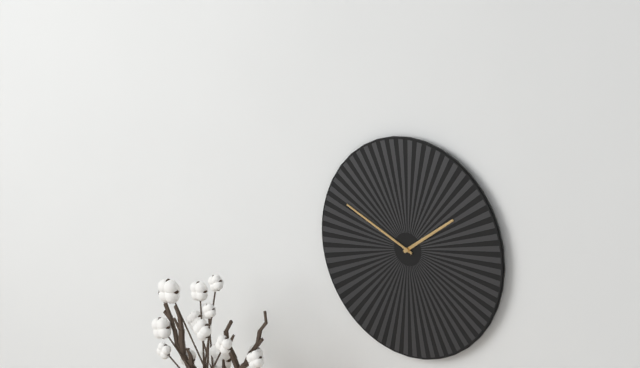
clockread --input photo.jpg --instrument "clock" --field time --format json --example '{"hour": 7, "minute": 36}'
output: {"hour": 1, "minute": 49}
